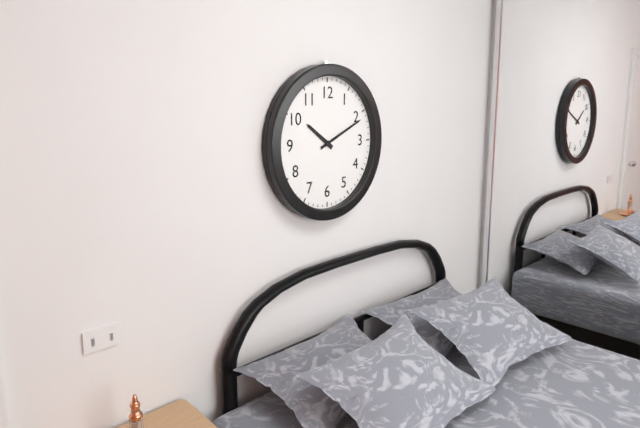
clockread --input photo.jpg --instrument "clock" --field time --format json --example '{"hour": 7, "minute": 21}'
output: {"hour": 10, "minute": 11}
